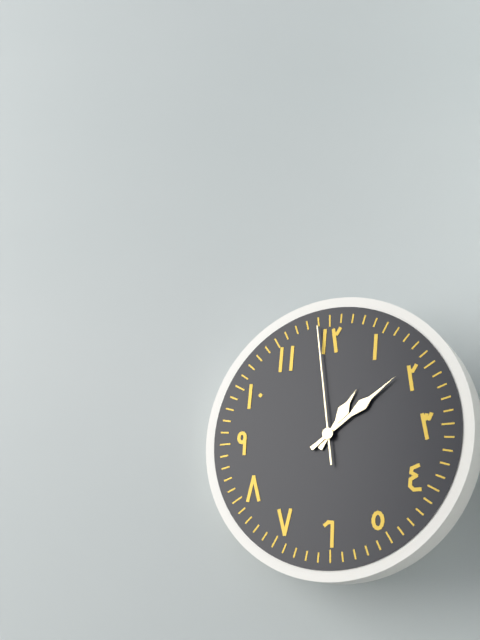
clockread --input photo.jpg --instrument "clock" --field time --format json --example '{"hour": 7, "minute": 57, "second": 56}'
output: {"hour": 1, "minute": 9, "second": 59}
